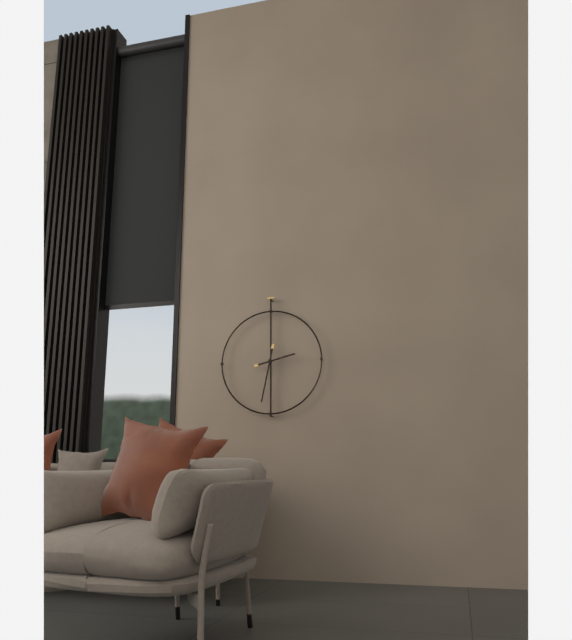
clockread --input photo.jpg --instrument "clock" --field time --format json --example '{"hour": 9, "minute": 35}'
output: {"hour": 2, "minute": 32}
